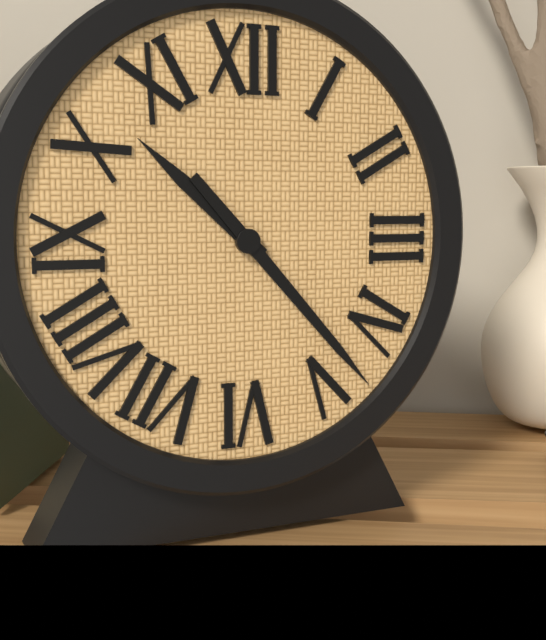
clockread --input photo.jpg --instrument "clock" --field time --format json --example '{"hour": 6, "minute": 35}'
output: {"hour": 10, "minute": 23}
